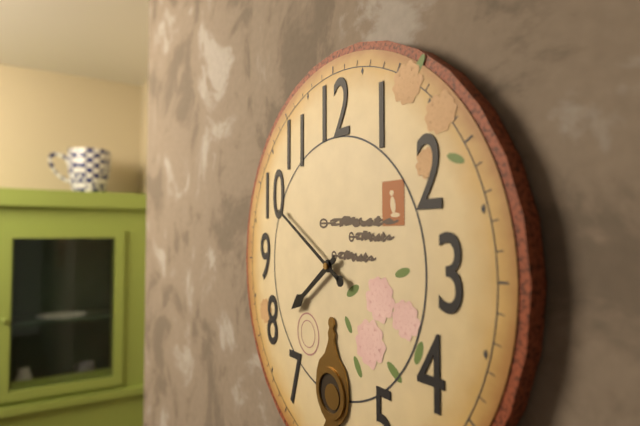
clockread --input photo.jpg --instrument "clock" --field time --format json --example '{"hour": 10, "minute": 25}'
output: {"hour": 7, "minute": 50}
